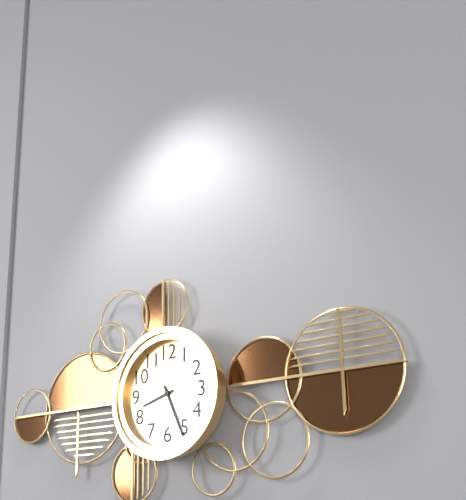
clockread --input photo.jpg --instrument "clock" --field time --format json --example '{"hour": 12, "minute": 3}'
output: {"hour": 8, "minute": 26}
